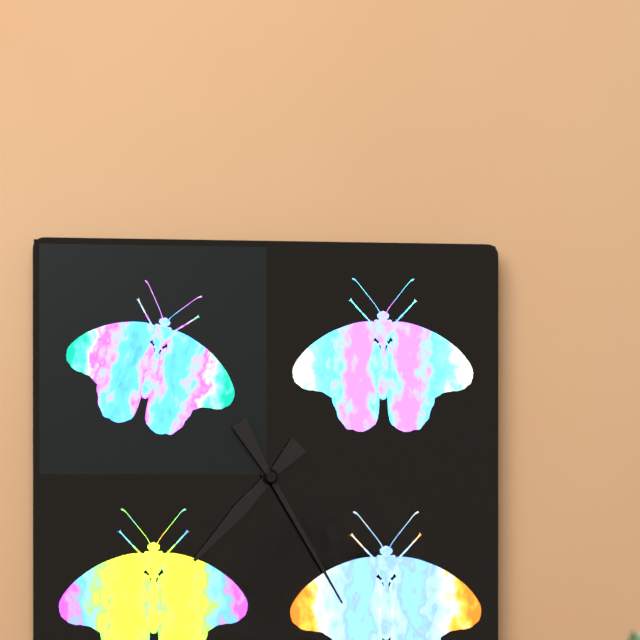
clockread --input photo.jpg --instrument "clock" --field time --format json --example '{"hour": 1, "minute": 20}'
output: {"hour": 7, "minute": 25}
